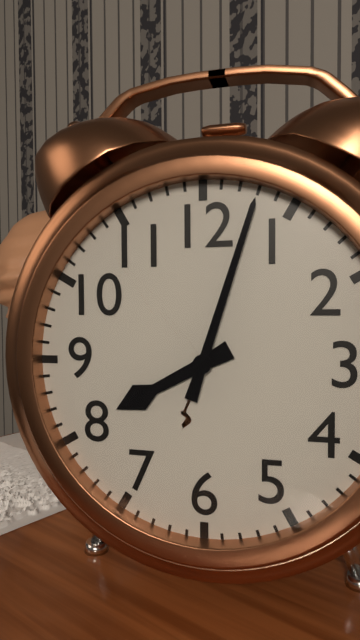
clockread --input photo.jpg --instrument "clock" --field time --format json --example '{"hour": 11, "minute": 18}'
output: {"hour": 8, "minute": 3}
